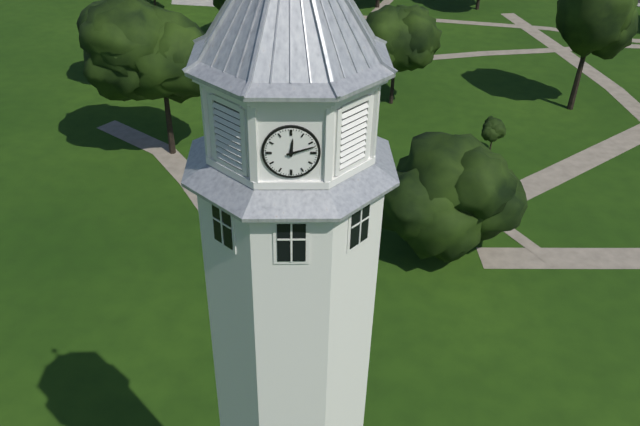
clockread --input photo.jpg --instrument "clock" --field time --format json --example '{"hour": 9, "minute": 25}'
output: {"hour": 12, "minute": 12}
